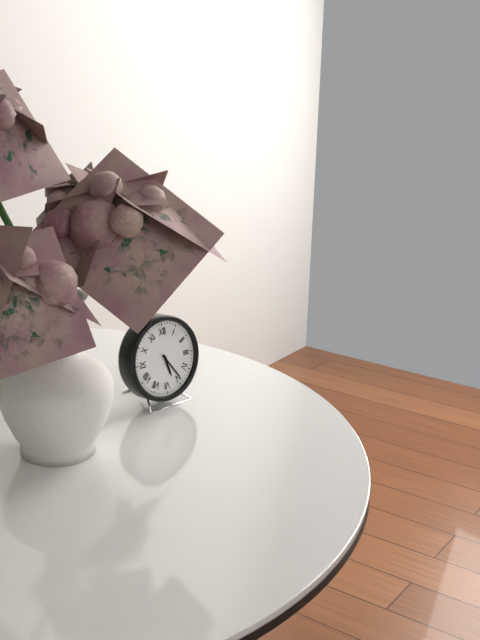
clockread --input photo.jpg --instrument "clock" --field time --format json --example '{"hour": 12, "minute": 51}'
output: {"hour": 5, "minute": 24}
